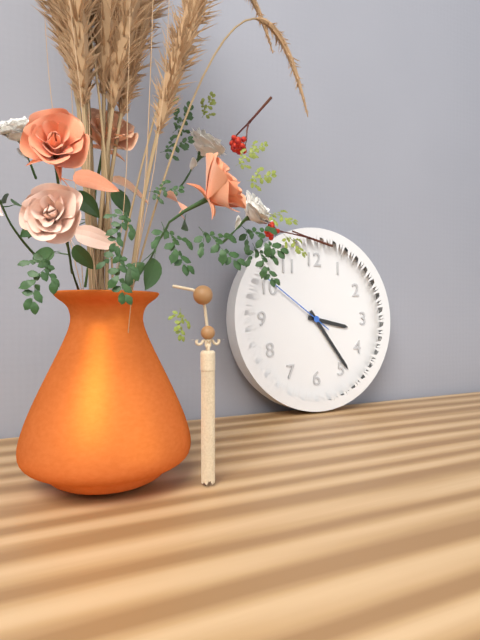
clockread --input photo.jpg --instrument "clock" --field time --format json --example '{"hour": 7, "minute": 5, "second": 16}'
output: {"hour": 3, "minute": 24, "second": 51}
